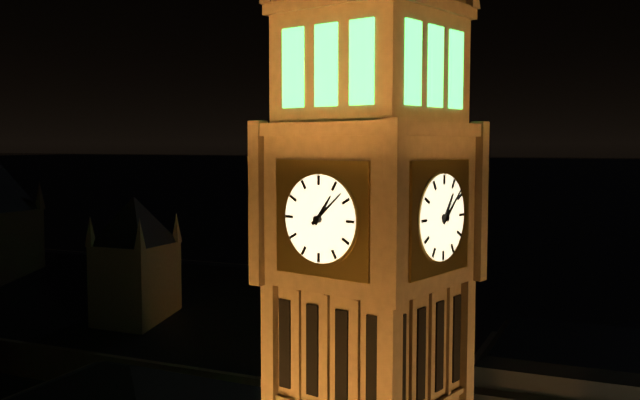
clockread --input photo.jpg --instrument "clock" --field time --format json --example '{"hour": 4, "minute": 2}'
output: {"hour": 1, "minute": 8}
